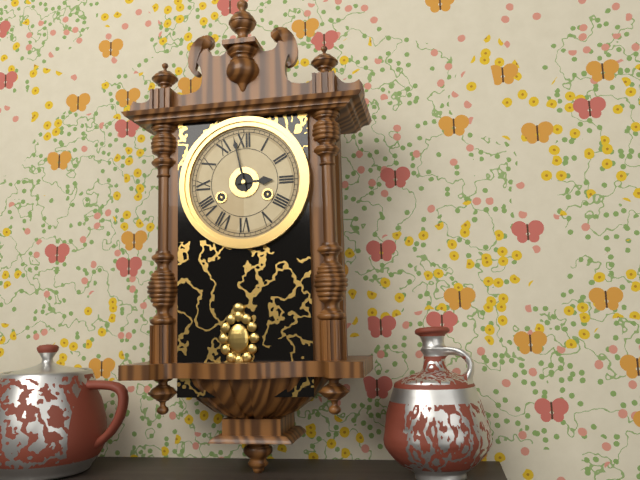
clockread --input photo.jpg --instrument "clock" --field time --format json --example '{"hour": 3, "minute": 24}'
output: {"hour": 2, "minute": 58}
